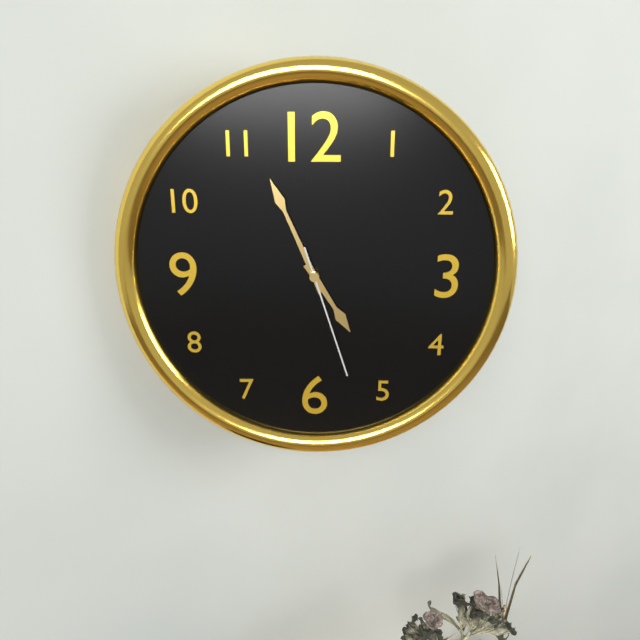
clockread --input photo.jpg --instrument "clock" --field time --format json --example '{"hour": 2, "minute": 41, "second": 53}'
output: {"hour": 4, "minute": 56, "second": 27}
